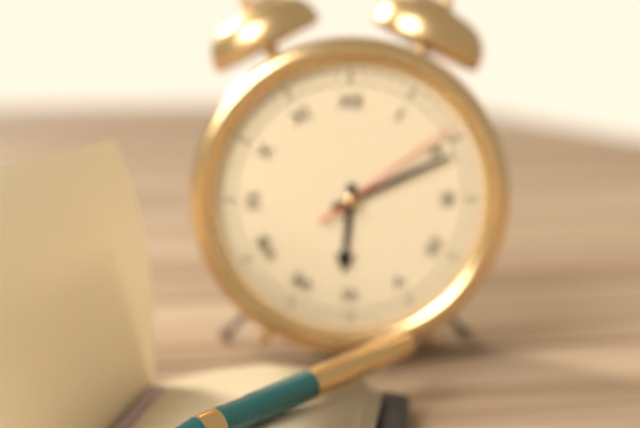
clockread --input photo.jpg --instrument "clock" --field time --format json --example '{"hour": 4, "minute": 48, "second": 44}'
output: {"hour": 6, "minute": 11, "second": 9}
